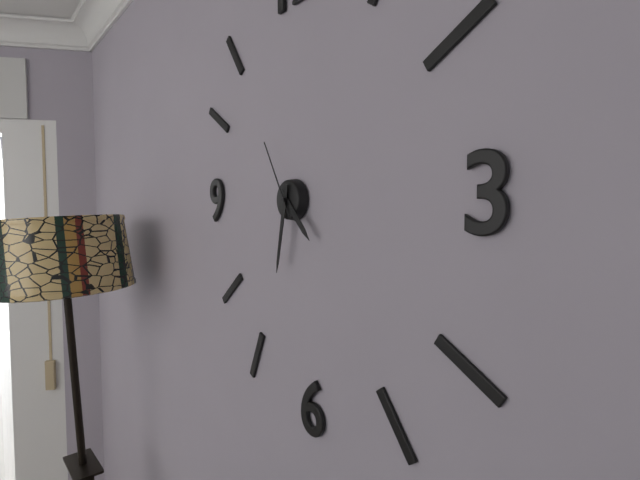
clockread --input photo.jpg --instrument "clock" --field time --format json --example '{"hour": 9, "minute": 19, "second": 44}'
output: {"hour": 4, "minute": 32, "second": 55}
